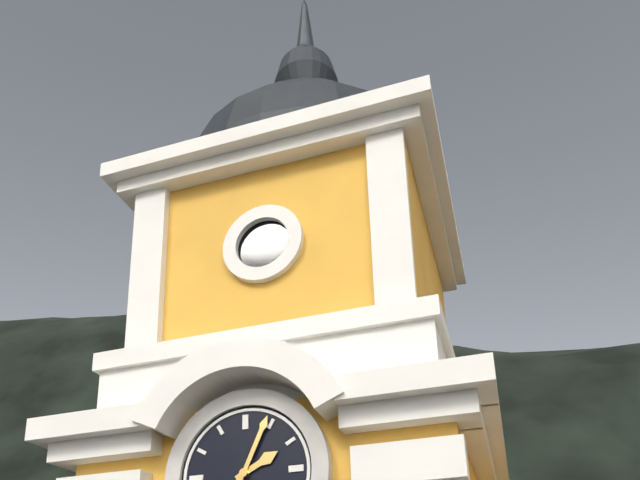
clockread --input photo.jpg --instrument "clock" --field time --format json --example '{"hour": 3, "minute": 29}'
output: {"hour": 2, "minute": 4}
